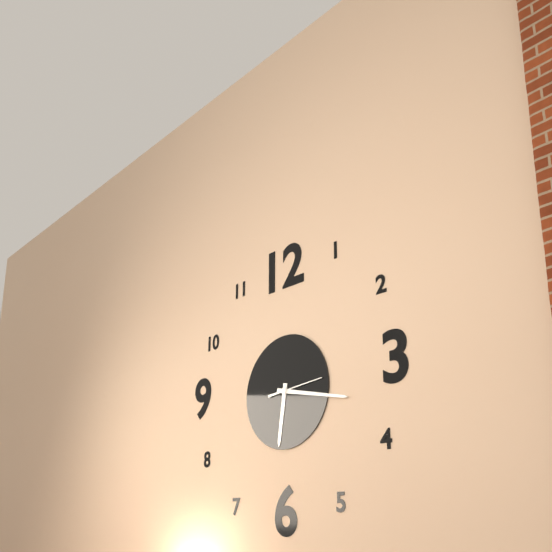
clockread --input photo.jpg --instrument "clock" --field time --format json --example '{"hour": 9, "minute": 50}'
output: {"hour": 6, "minute": 17}
